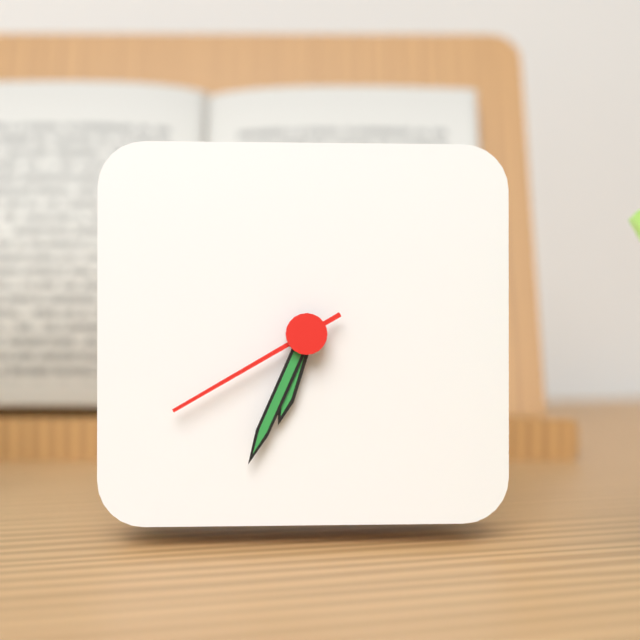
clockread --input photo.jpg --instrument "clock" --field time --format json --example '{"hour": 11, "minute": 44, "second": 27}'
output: {"hour": 6, "minute": 34, "second": 40}
